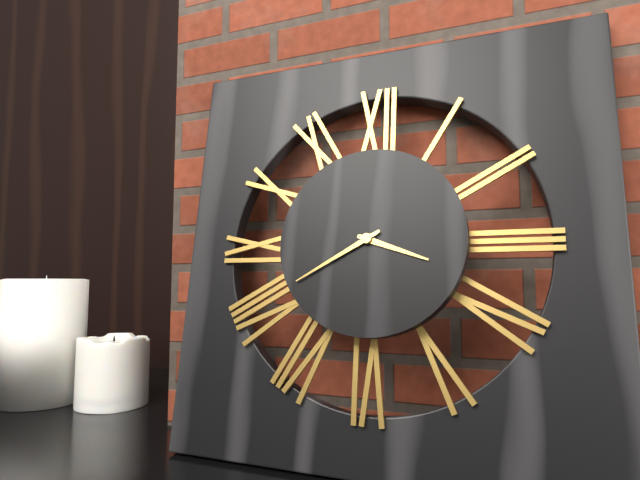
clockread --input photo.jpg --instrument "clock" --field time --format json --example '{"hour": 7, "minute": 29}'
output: {"hour": 3, "minute": 40}
